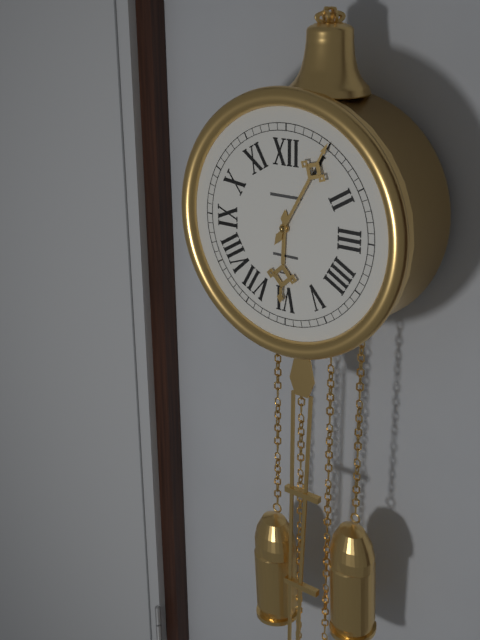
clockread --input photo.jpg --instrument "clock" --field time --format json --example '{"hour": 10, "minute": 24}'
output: {"hour": 6, "minute": 5}
